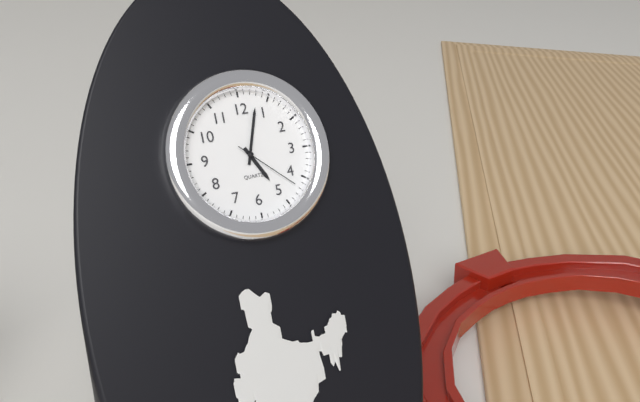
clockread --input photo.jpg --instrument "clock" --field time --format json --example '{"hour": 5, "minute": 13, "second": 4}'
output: {"hour": 5, "minute": 3, "second": 22}
